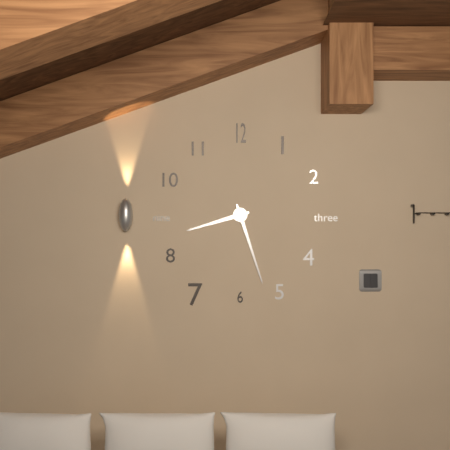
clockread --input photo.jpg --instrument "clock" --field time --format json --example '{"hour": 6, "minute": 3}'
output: {"hour": 8, "minute": 27}
